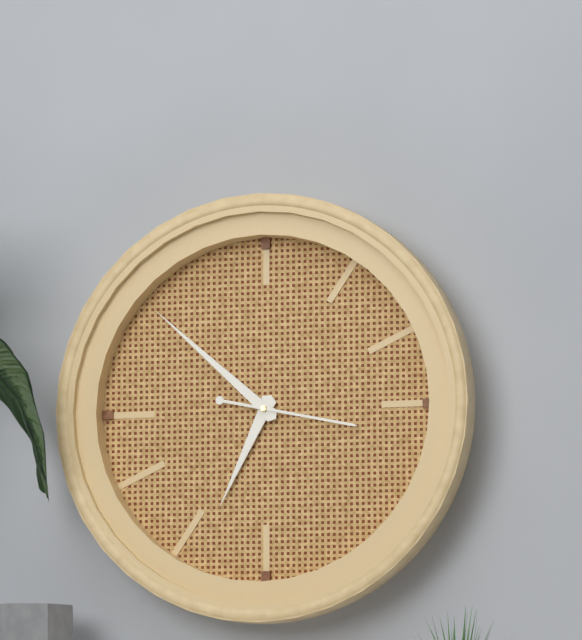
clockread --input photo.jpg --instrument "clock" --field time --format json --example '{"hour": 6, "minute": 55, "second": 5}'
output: {"hour": 6, "minute": 52, "second": 17}
